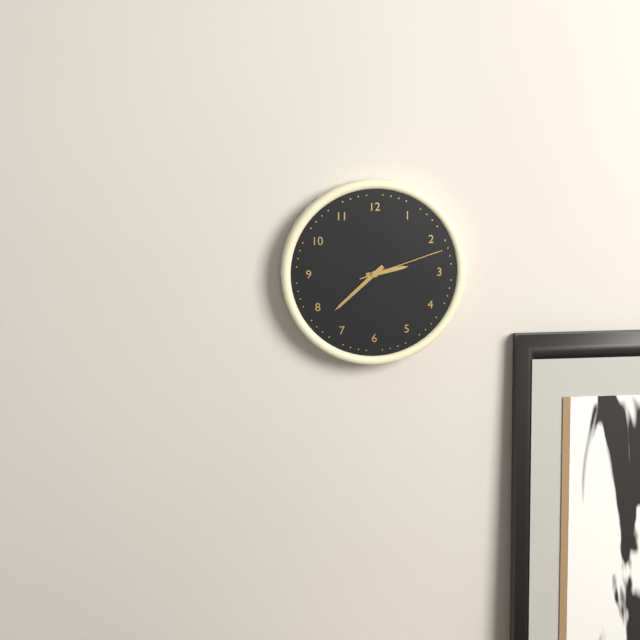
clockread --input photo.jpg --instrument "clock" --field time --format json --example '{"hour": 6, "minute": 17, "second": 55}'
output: {"hour": 2, "minute": 38, "second": 12}
